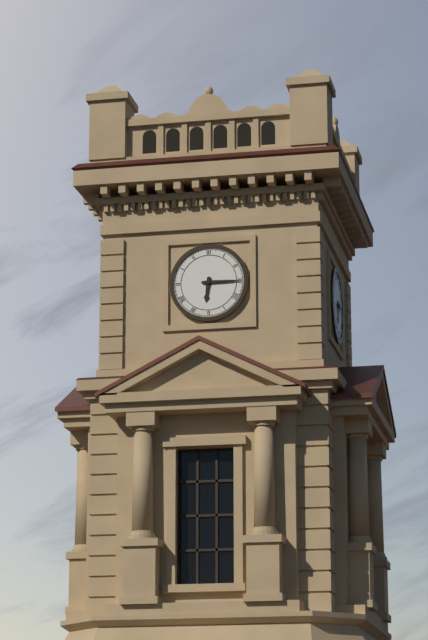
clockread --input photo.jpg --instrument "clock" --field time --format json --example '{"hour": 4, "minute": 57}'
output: {"hour": 6, "minute": 15}
